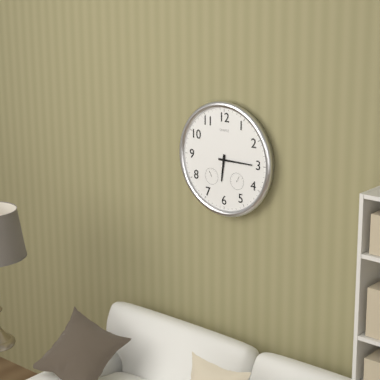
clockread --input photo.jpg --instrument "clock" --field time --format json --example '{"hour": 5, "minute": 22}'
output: {"hour": 6, "minute": 15}
